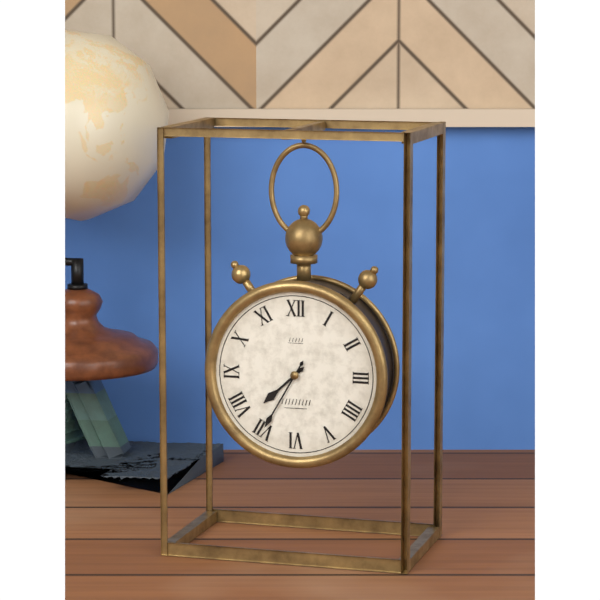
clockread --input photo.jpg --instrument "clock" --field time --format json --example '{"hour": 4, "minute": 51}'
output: {"hour": 7, "minute": 35}
